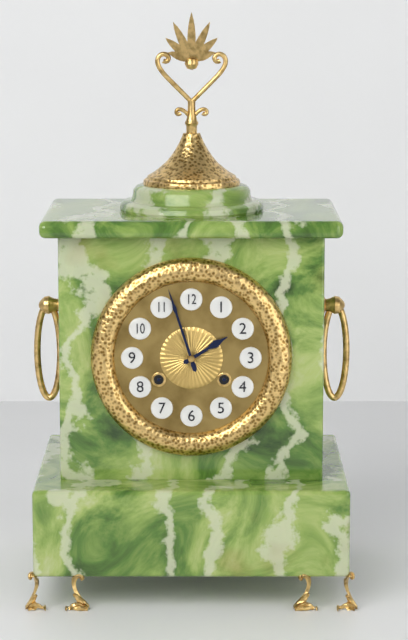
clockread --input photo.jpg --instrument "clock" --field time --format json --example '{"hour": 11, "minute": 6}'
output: {"hour": 1, "minute": 57}
